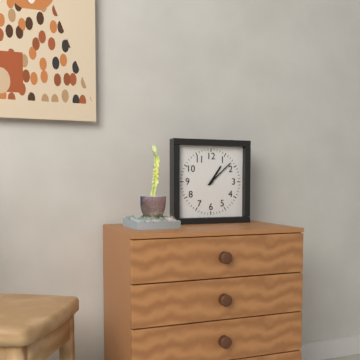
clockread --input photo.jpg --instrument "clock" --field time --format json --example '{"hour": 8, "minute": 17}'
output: {"hour": 1, "minute": 8}
